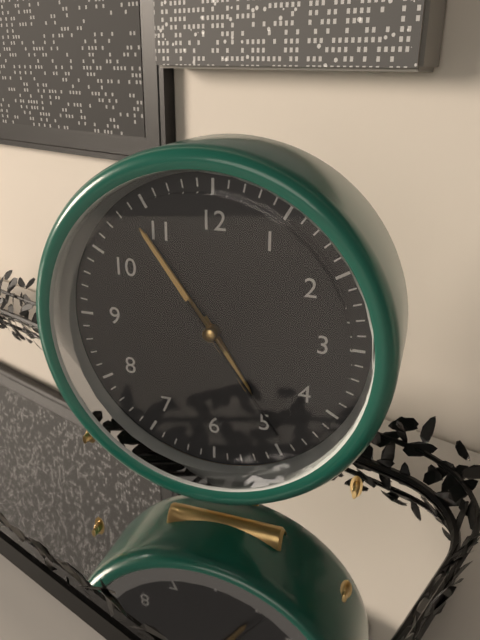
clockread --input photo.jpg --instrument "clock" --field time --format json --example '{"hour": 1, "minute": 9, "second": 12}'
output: {"hour": 4, "minute": 54, "second": 24}
